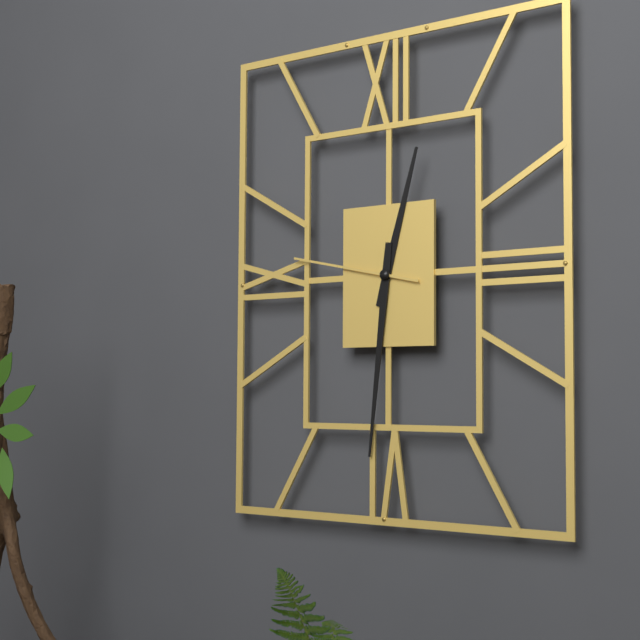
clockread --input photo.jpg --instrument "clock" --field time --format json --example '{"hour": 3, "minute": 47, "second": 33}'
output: {"hour": 12, "minute": 31, "second": 47}
